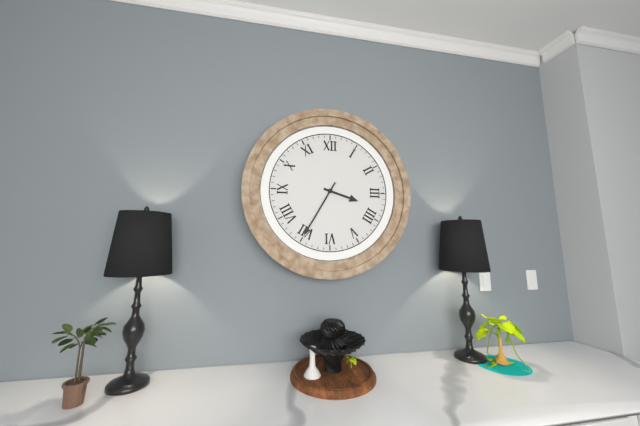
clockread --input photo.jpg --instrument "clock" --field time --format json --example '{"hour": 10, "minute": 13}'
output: {"hour": 3, "minute": 35}
